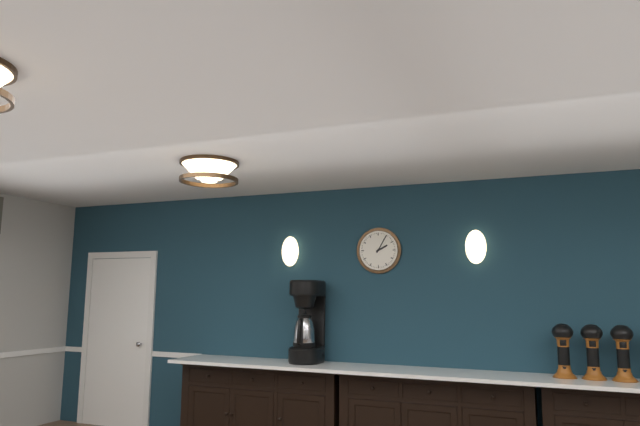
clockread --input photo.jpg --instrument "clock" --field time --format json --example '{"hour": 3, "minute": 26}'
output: {"hour": 2, "minute": 5}
